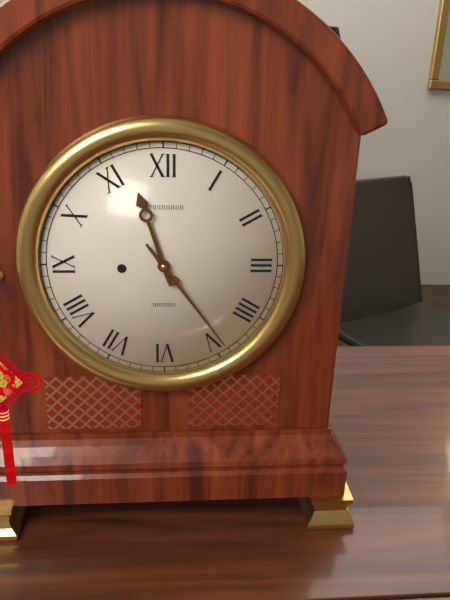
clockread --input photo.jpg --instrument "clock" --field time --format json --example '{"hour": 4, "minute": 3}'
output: {"hour": 11, "minute": 24}
